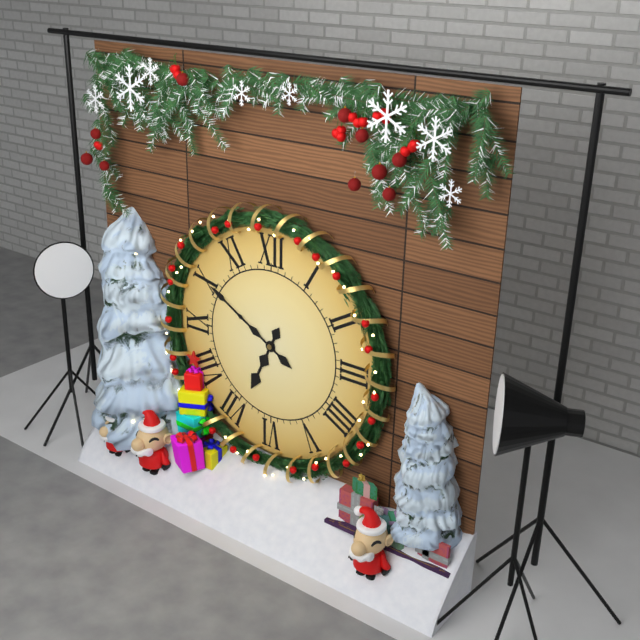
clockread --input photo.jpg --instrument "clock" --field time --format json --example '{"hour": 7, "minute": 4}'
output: {"hour": 6, "minute": 50}
